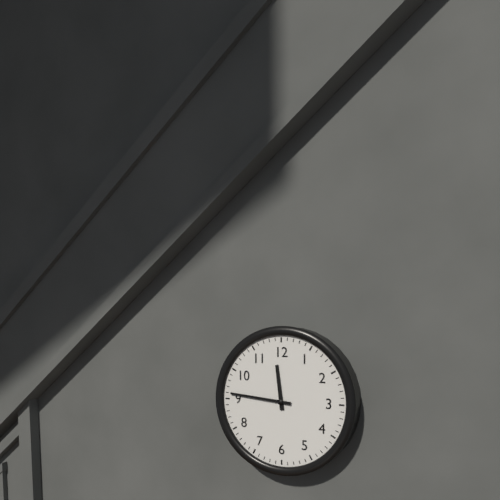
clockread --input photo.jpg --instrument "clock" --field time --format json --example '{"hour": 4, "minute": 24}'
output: {"hour": 11, "minute": 46}
